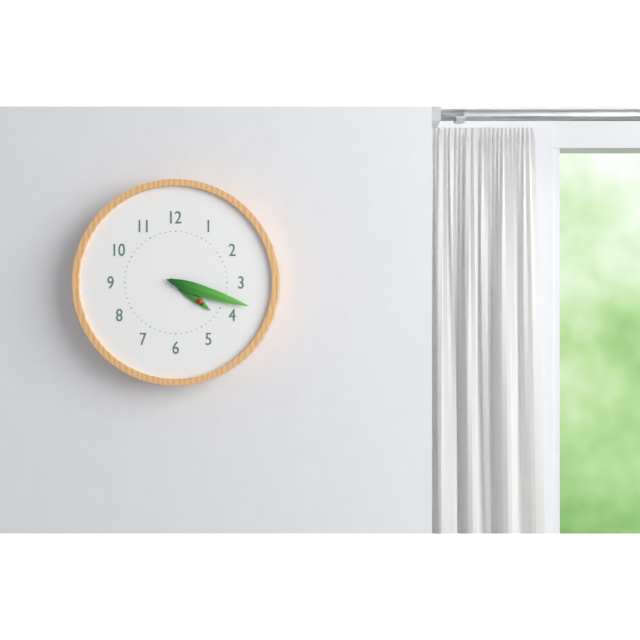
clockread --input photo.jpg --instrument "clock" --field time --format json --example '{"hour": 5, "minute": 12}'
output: {"hour": 4, "minute": 18}
